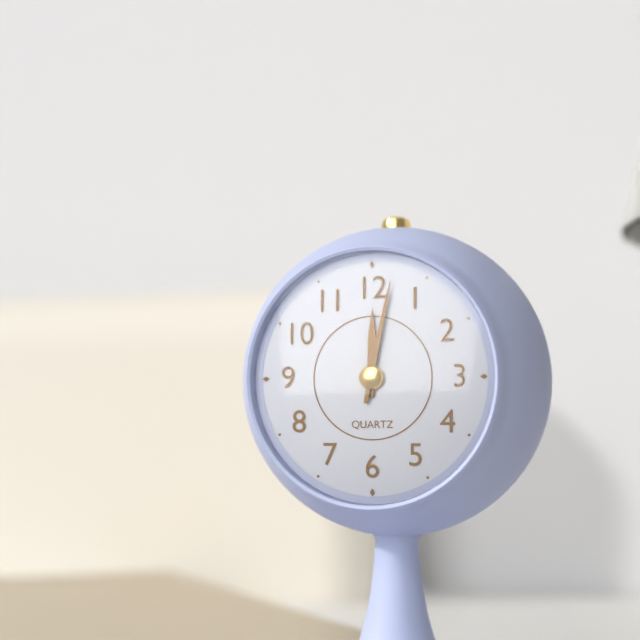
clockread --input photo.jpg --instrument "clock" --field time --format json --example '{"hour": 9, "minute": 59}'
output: {"hour": 12, "minute": 2}
